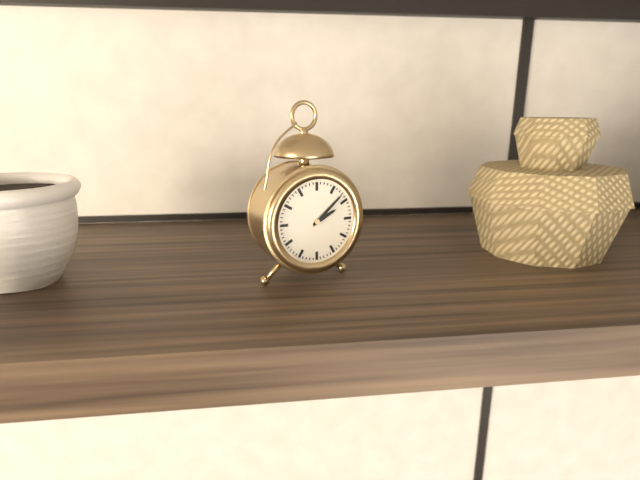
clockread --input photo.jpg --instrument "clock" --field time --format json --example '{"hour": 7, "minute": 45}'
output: {"hour": 2, "minute": 8}
